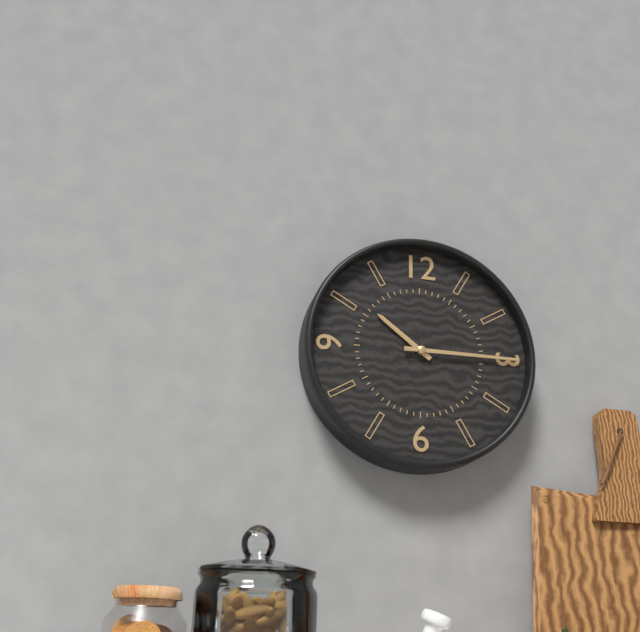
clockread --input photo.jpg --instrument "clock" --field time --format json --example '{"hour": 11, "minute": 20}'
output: {"hour": 10, "minute": 15}
